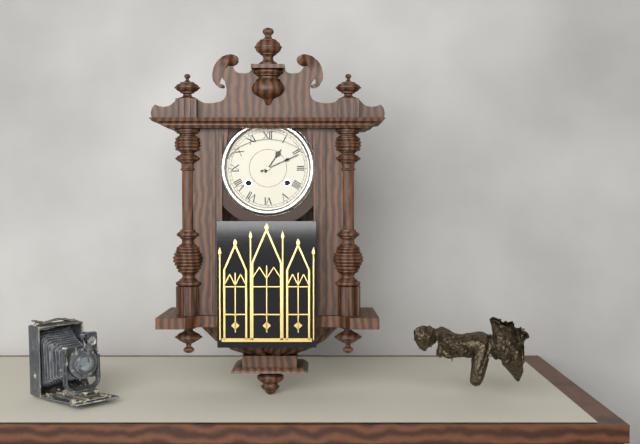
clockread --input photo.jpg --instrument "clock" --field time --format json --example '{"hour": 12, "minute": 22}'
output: {"hour": 1, "minute": 11}
